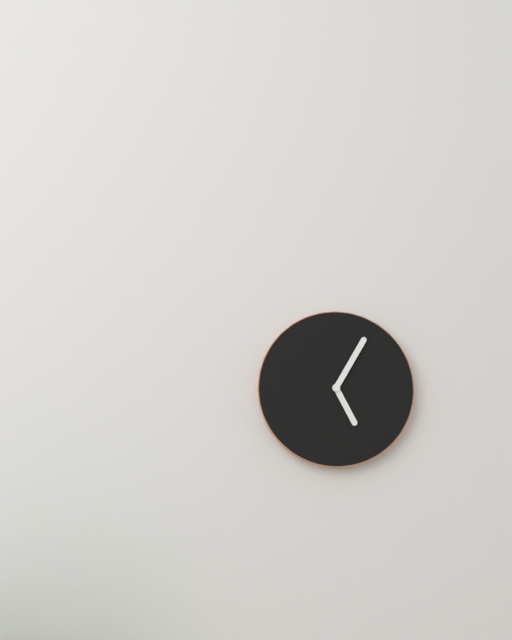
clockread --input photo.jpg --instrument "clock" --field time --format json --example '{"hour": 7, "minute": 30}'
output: {"hour": 5, "minute": 5}
